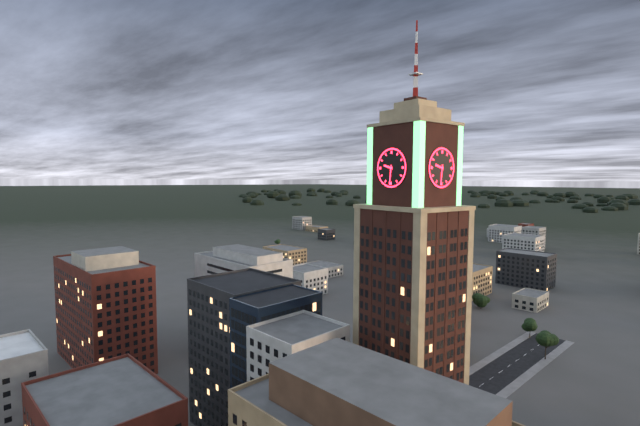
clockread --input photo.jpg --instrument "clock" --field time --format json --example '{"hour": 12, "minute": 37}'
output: {"hour": 9, "minute": 31}
